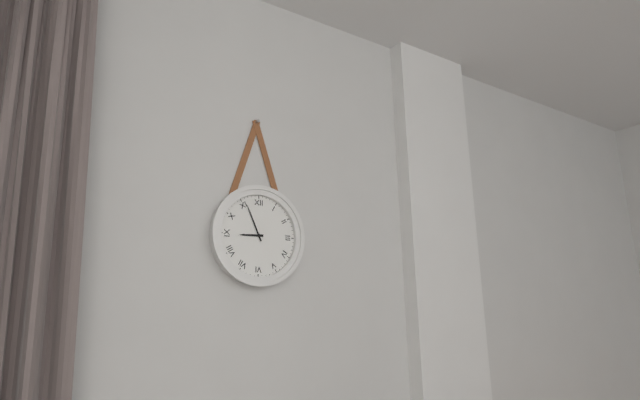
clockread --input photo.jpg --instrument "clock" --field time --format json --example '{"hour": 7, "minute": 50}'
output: {"hour": 8, "minute": 56}
